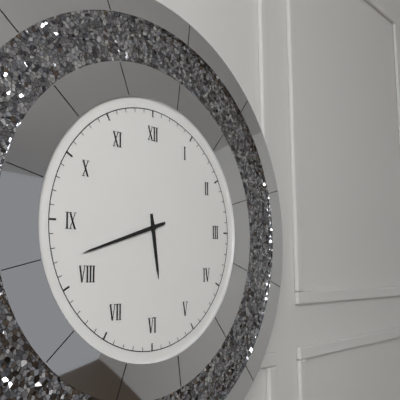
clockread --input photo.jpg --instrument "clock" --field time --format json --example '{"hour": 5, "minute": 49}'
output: {"hour": 5, "minute": 42}
